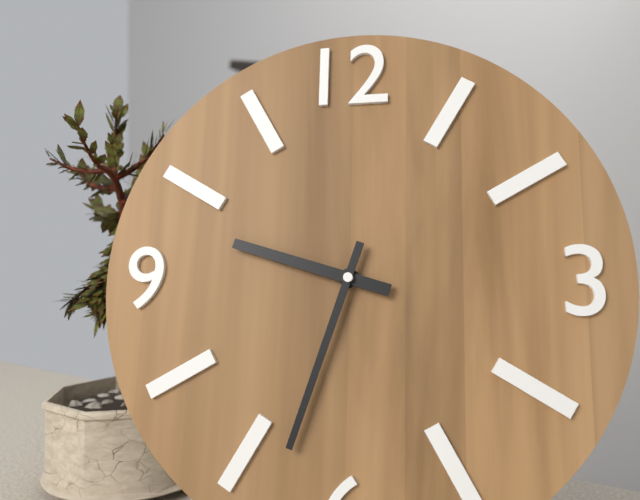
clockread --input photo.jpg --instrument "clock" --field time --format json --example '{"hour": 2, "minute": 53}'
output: {"hour": 9, "minute": 33}
